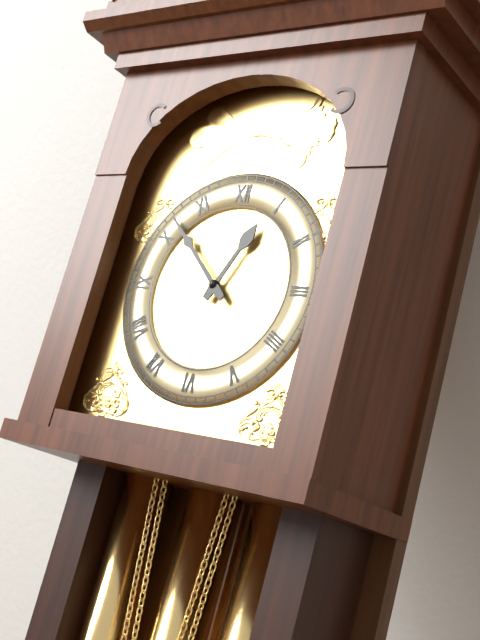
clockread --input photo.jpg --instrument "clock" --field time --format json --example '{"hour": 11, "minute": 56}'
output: {"hour": 12, "minute": 52}
